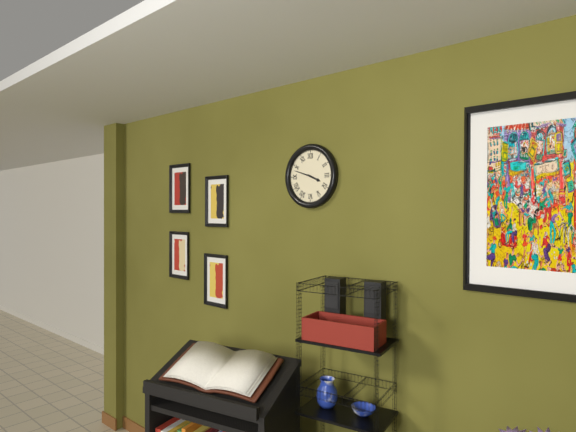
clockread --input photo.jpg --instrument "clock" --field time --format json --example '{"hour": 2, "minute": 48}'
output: {"hour": 3, "minute": 48}
